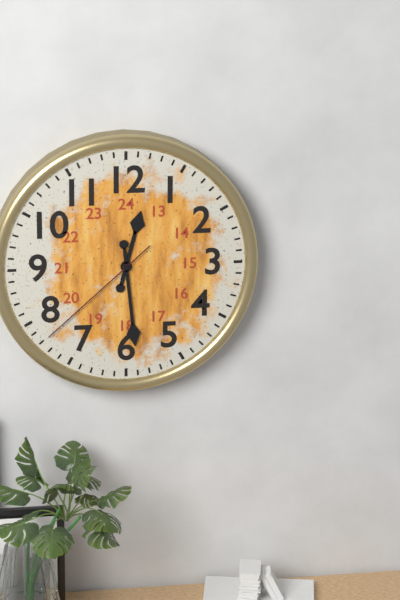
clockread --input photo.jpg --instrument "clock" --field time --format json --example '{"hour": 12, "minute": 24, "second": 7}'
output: {"hour": 12, "minute": 29, "second": 38}
